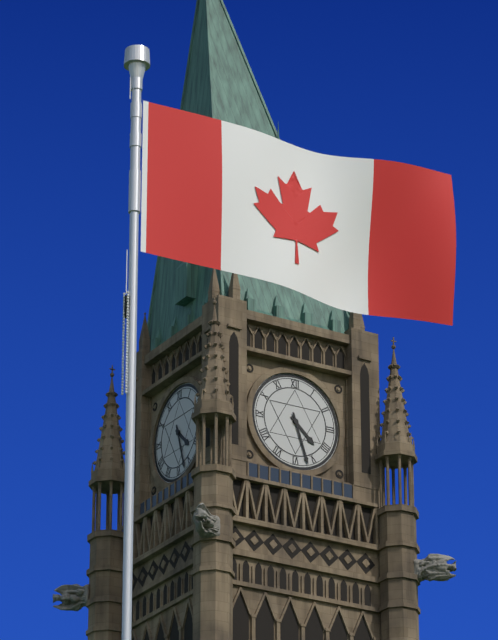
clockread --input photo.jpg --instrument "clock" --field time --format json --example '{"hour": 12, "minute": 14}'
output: {"hour": 4, "minute": 27}
